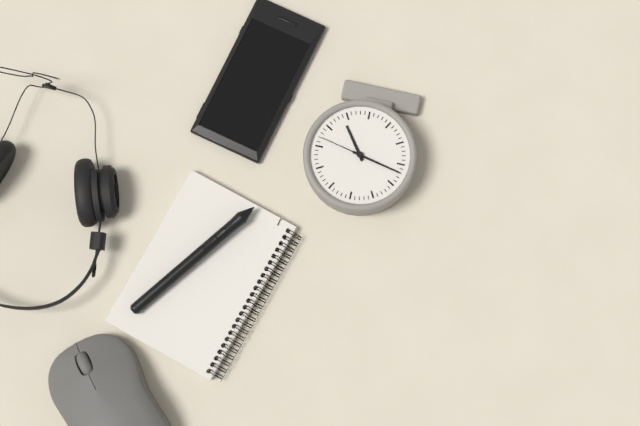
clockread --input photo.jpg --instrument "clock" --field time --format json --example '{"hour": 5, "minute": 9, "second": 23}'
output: {"hour": 4, "minute": 47, "second": 17}
